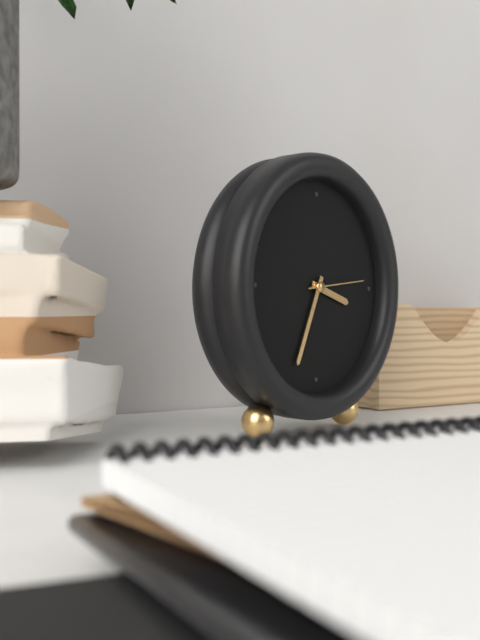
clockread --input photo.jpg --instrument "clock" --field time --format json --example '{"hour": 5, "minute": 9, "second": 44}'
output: {"hour": 3, "minute": 34, "second": 14}
